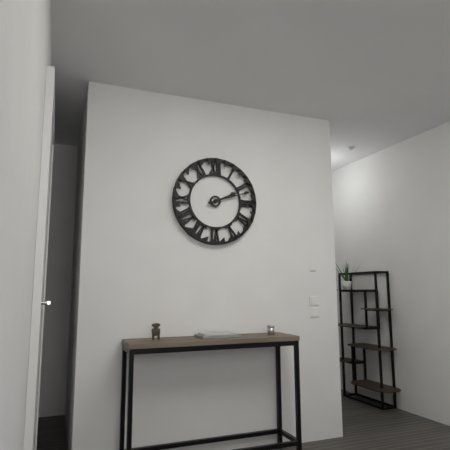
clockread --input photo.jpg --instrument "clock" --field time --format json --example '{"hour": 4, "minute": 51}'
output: {"hour": 2, "minute": 12}
